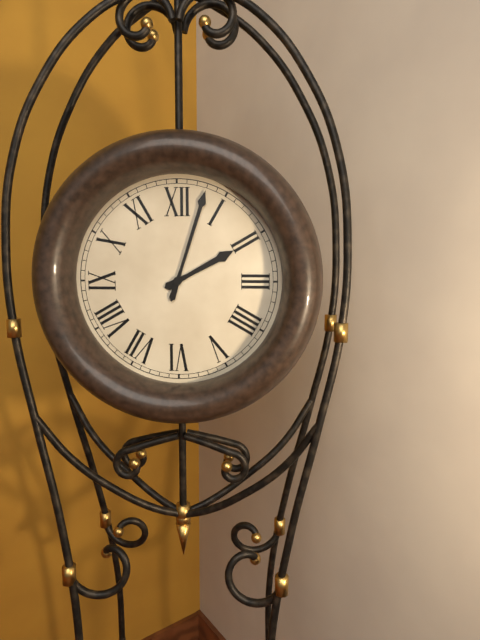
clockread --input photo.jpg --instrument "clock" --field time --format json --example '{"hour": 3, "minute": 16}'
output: {"hour": 2, "minute": 3}
